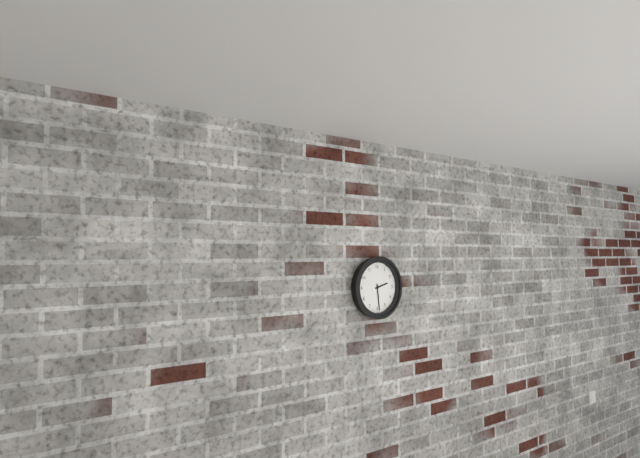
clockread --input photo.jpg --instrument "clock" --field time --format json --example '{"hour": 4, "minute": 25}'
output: {"hour": 2, "minute": 29}
